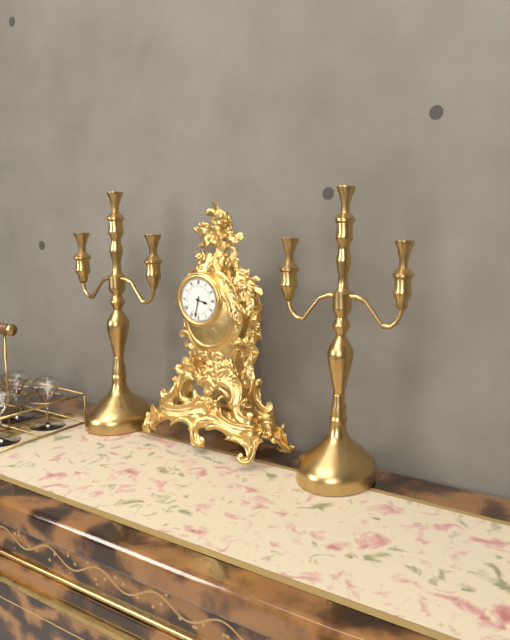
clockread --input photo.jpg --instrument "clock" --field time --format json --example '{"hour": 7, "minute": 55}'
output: {"hour": 3, "minute": 32}
